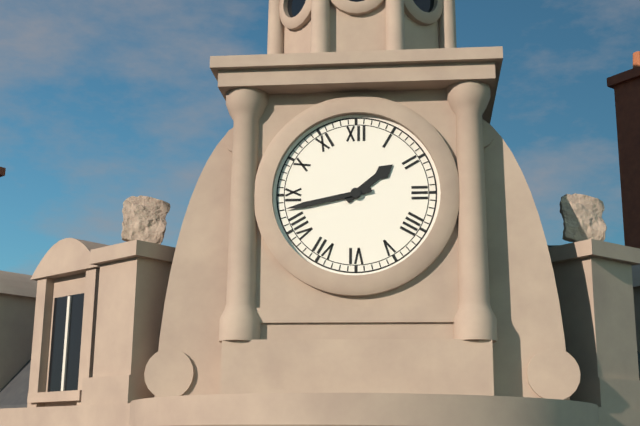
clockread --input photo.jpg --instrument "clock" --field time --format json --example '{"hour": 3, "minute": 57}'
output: {"hour": 1, "minute": 43}
